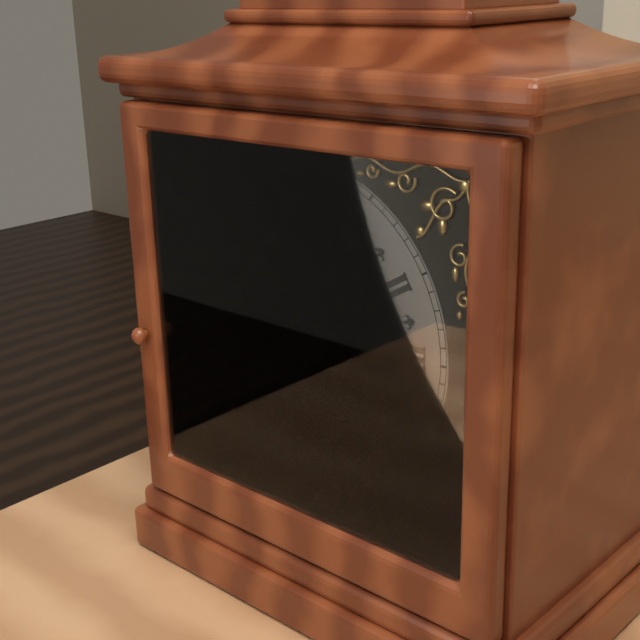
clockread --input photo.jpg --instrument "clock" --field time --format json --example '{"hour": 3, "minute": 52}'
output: {"hour": 9, "minute": 0}
